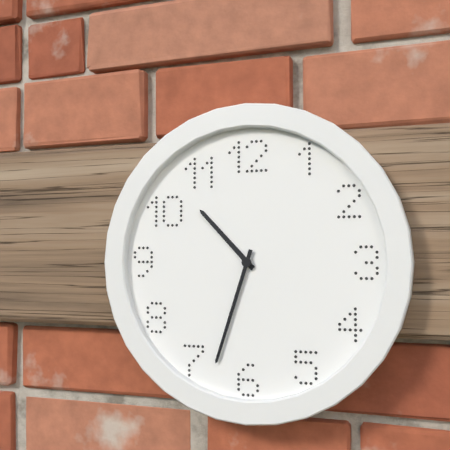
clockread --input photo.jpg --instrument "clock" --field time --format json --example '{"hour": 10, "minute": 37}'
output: {"hour": 10, "minute": 33}
